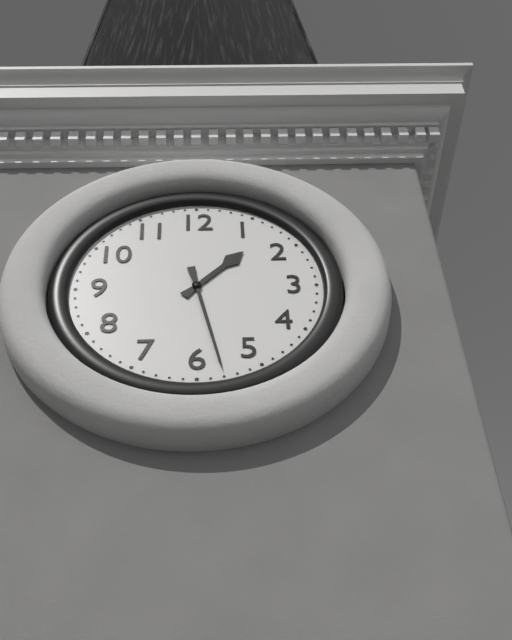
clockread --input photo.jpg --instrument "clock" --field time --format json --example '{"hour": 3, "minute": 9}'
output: {"hour": 1, "minute": 28}
